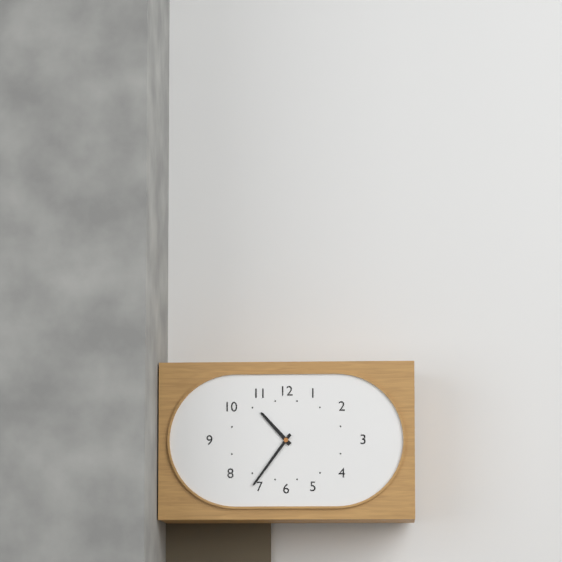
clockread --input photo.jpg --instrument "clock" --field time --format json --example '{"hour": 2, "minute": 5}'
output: {"hour": 10, "minute": 36}
